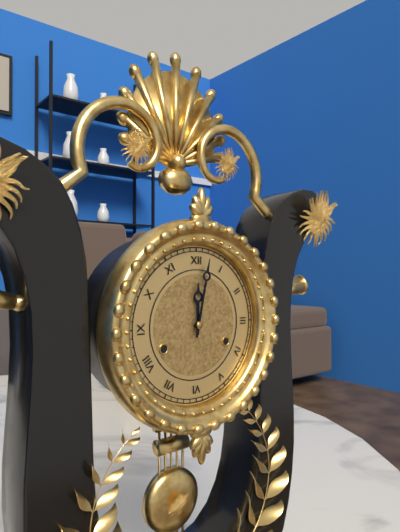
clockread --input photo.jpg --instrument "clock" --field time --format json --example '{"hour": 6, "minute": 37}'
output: {"hour": 12, "minute": 2}
